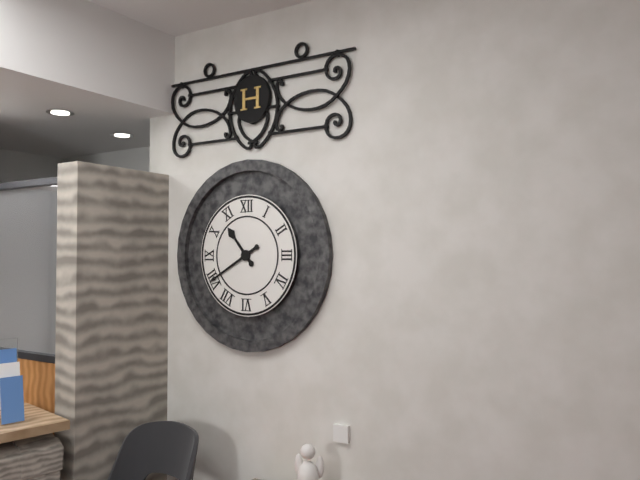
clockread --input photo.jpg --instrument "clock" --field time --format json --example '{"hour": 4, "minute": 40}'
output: {"hour": 10, "minute": 40}
